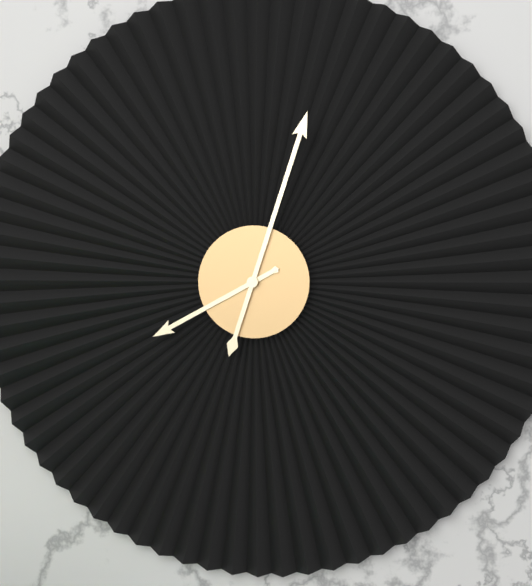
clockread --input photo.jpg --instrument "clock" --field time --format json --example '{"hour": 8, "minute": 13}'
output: {"hour": 8, "minute": 3}
